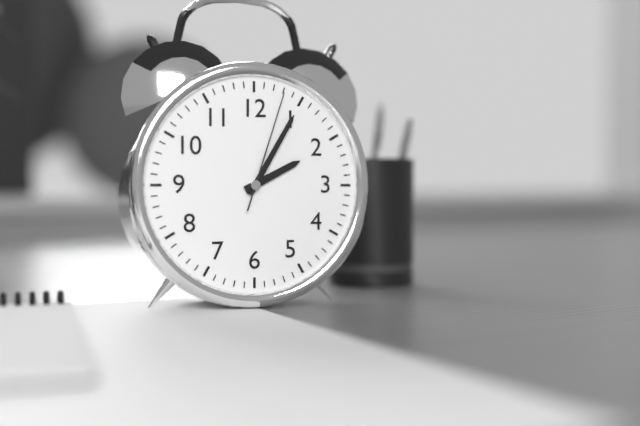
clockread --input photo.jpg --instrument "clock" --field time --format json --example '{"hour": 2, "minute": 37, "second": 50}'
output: {"hour": 2, "minute": 5, "second": 3}
